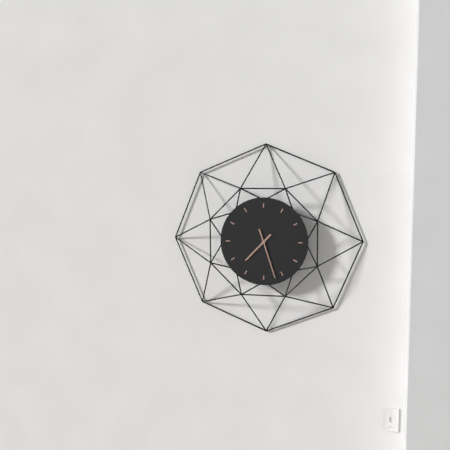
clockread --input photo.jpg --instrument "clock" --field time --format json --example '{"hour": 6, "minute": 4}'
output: {"hour": 7, "minute": 27}
